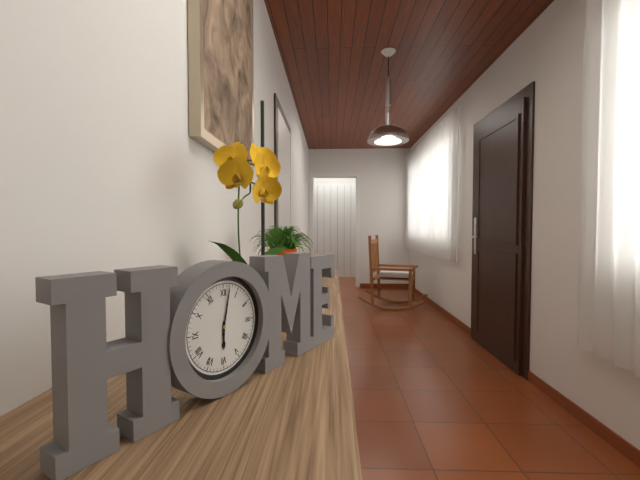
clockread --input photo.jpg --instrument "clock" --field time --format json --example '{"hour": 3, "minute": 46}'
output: {"hour": 6, "minute": 2}
